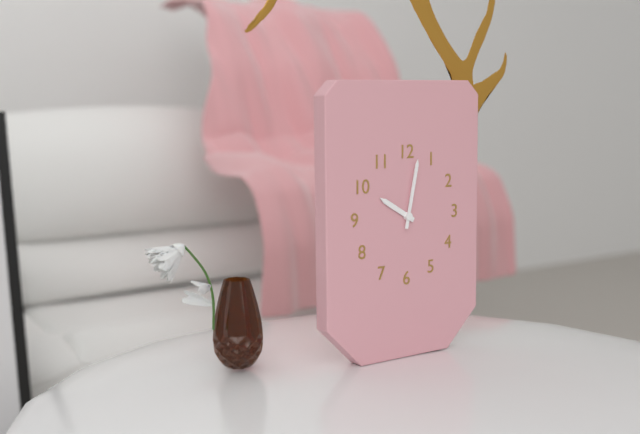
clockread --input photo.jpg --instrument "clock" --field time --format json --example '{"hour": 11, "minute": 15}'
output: {"hour": 10, "minute": 2}
